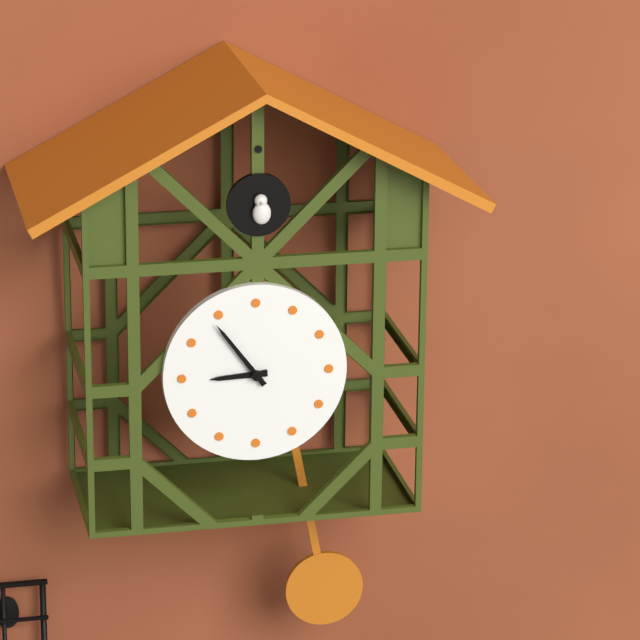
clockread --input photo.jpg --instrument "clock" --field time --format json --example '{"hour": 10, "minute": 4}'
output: {"hour": 8, "minute": 54}
